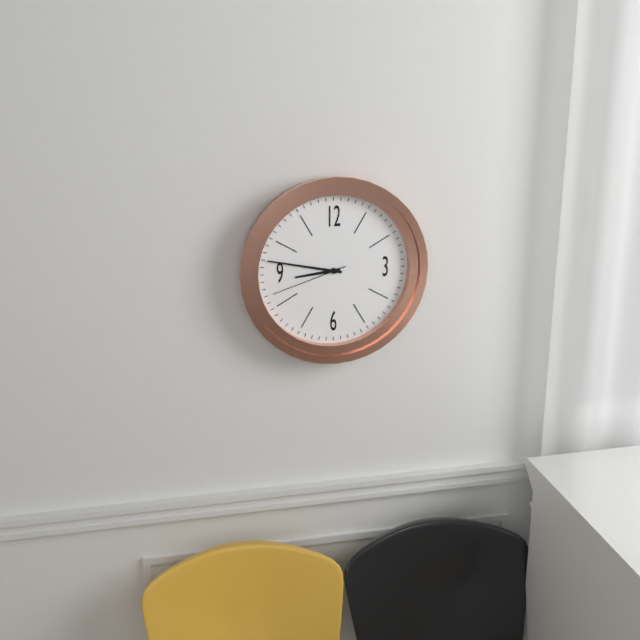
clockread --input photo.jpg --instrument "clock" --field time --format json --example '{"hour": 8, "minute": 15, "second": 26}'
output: {"hour": 8, "minute": 47, "second": 42}
